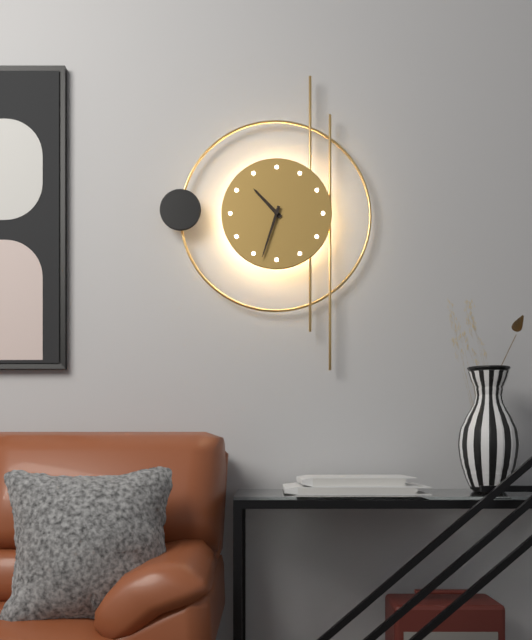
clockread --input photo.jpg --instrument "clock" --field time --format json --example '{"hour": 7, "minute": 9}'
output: {"hour": 10, "minute": 33}
